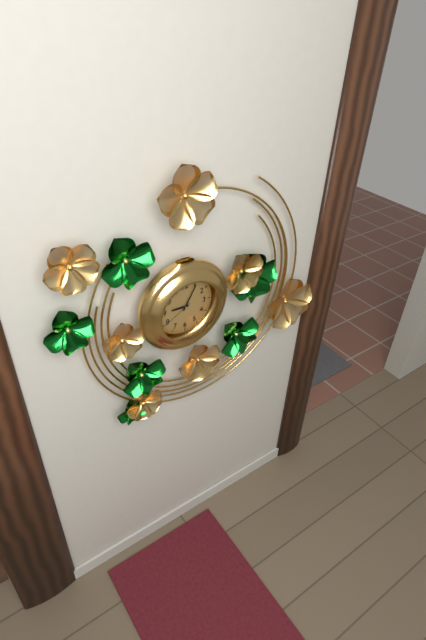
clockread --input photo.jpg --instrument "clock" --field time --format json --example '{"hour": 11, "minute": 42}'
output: {"hour": 9, "minute": 5}
